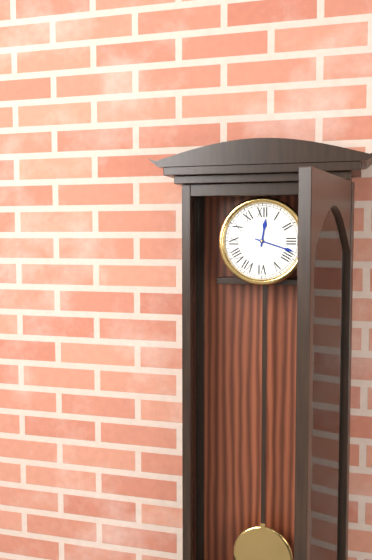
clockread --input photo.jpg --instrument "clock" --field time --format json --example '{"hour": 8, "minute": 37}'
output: {"hour": 12, "minute": 18}
